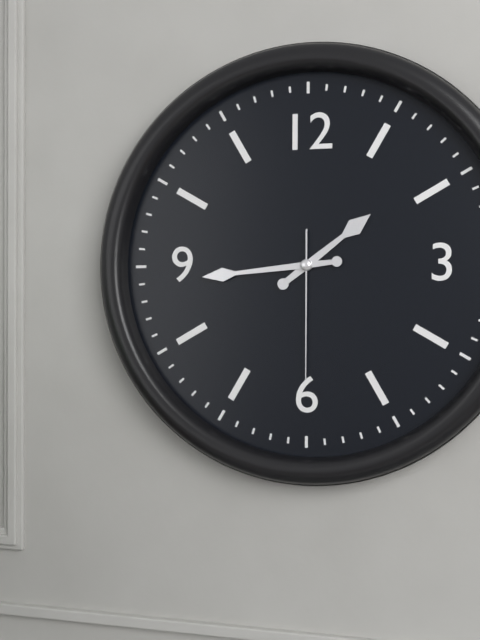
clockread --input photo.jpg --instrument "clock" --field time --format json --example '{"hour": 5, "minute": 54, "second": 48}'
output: {"hour": 1, "minute": 44, "second": 30}
